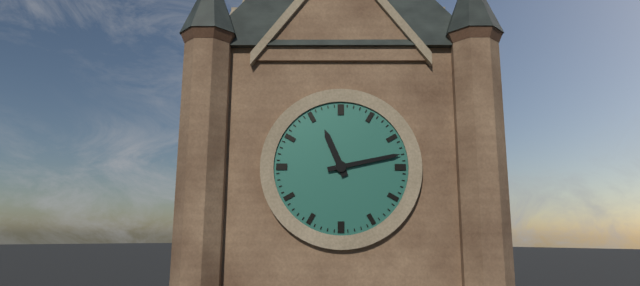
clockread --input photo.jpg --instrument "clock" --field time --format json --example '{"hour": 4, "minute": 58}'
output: {"hour": 11, "minute": 13}
